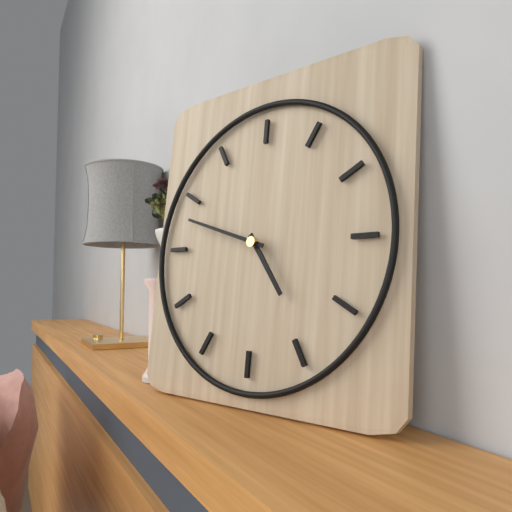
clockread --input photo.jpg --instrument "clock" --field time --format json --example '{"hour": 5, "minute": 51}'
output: {"hour": 4, "minute": 48}
